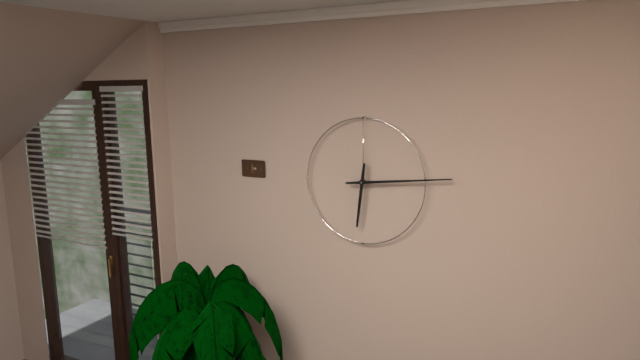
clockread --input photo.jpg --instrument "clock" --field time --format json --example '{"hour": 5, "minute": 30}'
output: {"hour": 6, "minute": 14}
